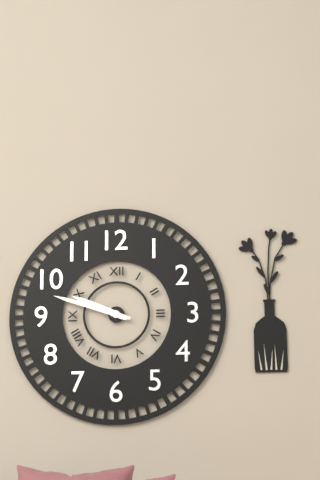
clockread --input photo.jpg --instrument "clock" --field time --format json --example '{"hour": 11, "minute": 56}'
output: {"hour": 9, "minute": 48}
